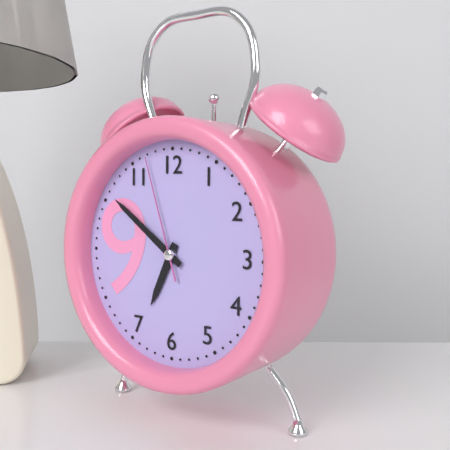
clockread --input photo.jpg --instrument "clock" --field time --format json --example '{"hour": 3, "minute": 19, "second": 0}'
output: {"hour": 6, "minute": 51, "second": 57}
